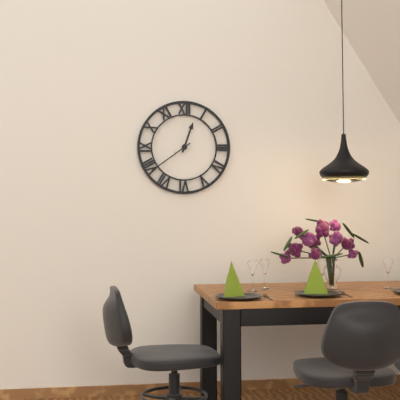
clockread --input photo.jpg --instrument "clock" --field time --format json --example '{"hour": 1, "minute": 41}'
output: {"hour": 12, "minute": 39}
